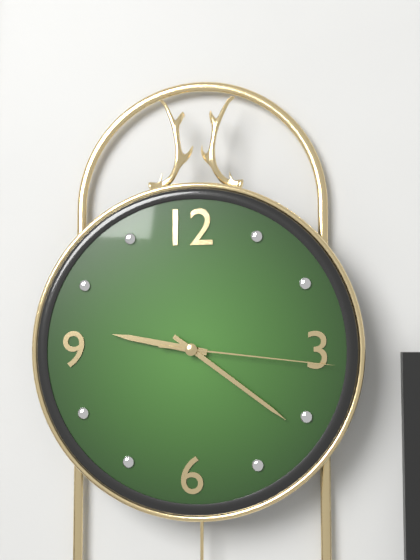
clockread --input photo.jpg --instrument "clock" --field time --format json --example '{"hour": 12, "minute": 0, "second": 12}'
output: {"hour": 9, "minute": 21, "second": 16}
